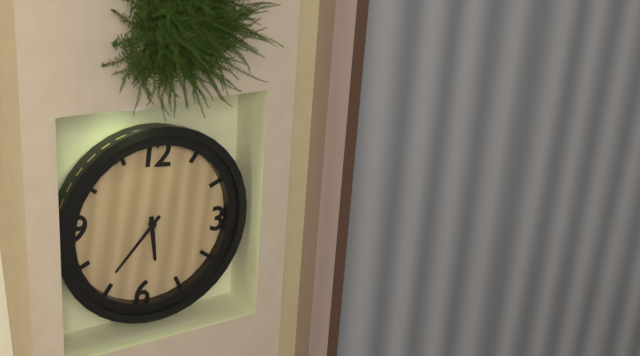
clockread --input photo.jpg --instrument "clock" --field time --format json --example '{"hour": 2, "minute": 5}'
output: {"hour": 5, "minute": 36}
